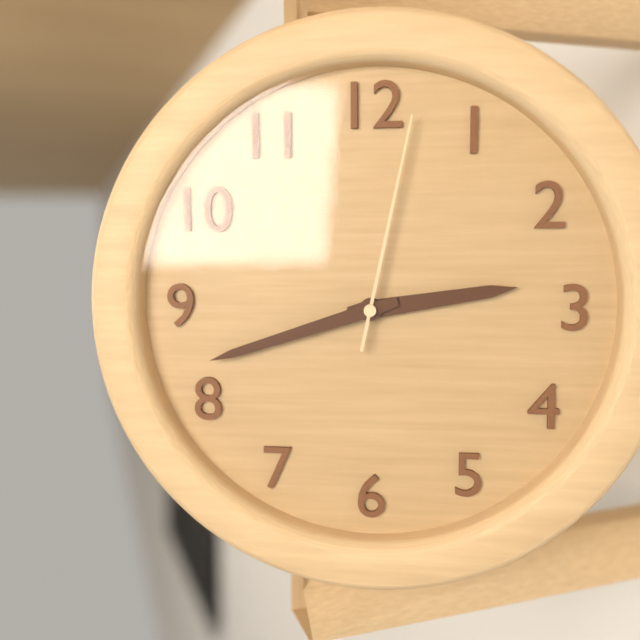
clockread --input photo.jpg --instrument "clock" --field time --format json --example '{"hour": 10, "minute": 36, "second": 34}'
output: {"hour": 2, "minute": 42, "second": 2}
